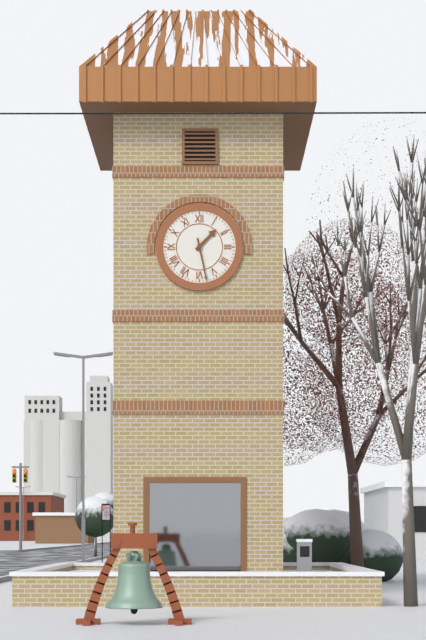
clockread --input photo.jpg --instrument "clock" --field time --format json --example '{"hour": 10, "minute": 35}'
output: {"hour": 1, "minute": 28}
